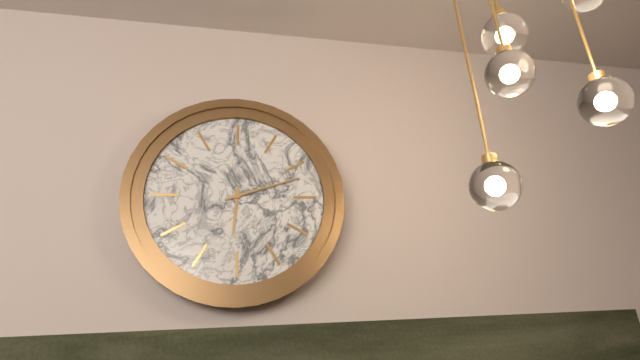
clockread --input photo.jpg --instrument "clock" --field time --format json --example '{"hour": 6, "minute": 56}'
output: {"hour": 6, "minute": 12}
